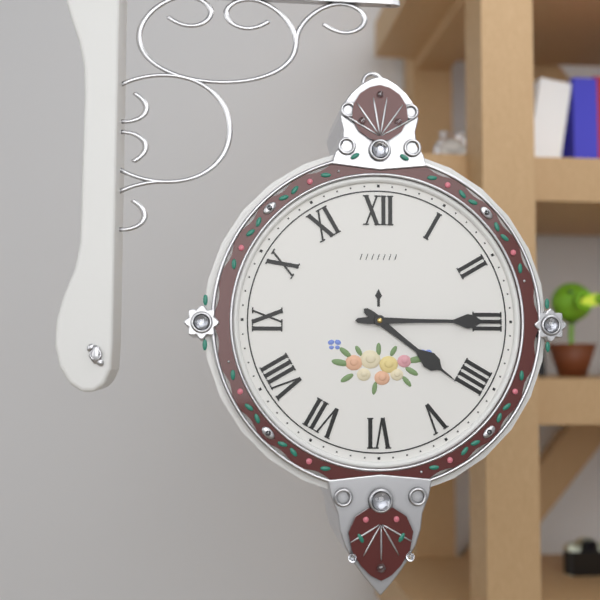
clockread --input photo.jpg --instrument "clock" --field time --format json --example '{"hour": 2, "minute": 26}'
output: {"hour": 4, "minute": 15}
